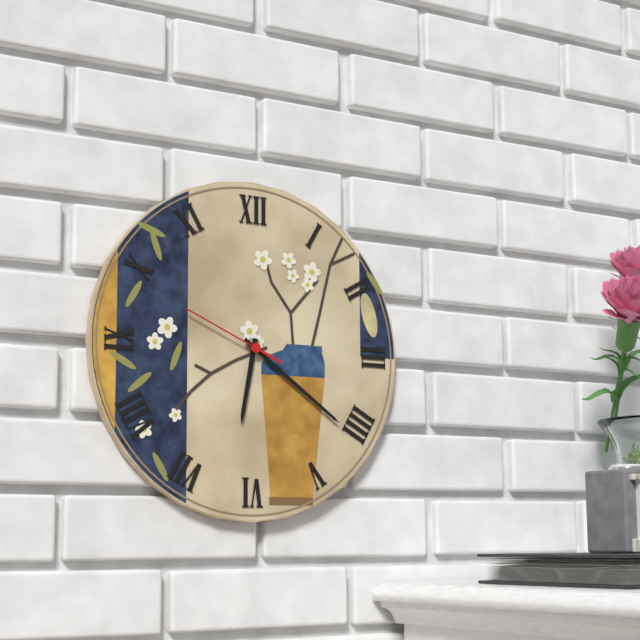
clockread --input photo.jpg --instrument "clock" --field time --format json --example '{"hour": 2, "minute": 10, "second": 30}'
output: {"hour": 6, "minute": 21, "second": 49}
